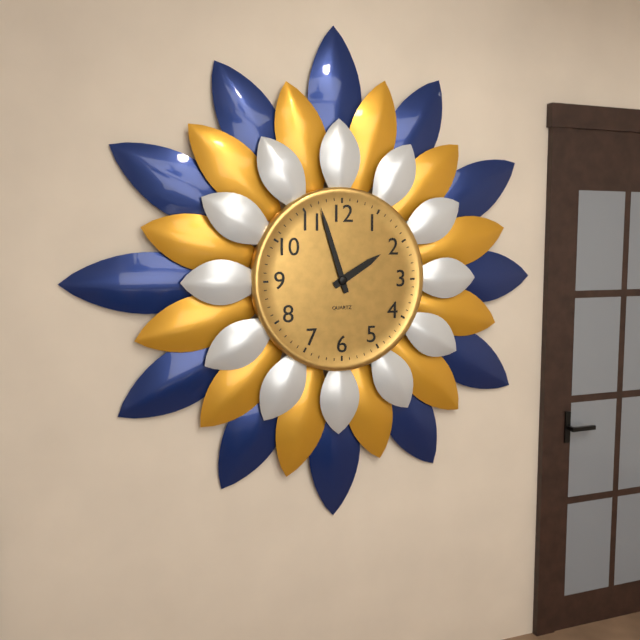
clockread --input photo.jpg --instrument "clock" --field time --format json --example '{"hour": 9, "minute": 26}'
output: {"hour": 1, "minute": 57}
